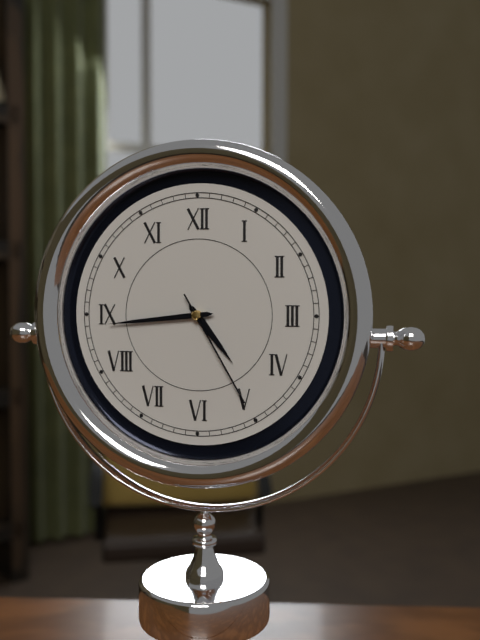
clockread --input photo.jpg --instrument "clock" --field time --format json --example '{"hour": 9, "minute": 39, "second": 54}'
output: {"hour": 4, "minute": 44, "second": 25}
